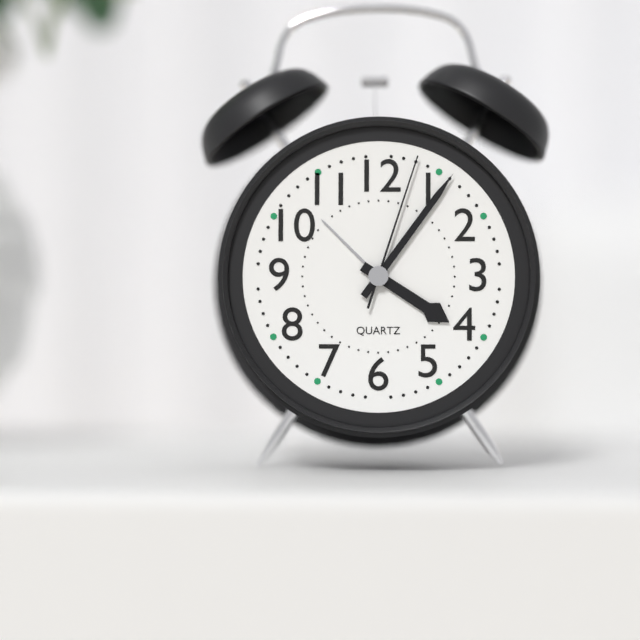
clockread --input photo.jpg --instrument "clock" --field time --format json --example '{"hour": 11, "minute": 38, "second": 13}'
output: {"hour": 4, "minute": 6, "second": 3}
